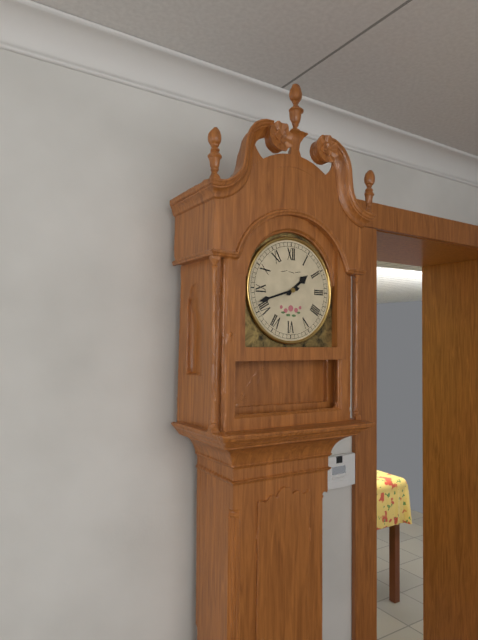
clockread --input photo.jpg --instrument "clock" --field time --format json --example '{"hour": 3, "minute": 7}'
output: {"hour": 1, "minute": 42}
